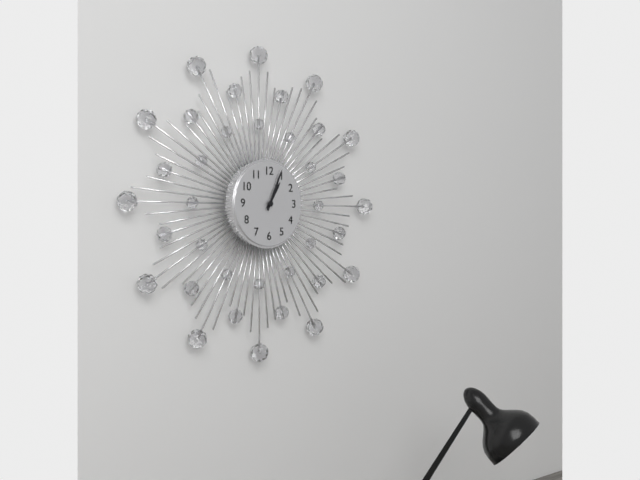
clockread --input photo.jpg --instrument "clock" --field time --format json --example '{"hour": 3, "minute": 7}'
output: {"hour": 1, "minute": 4}
